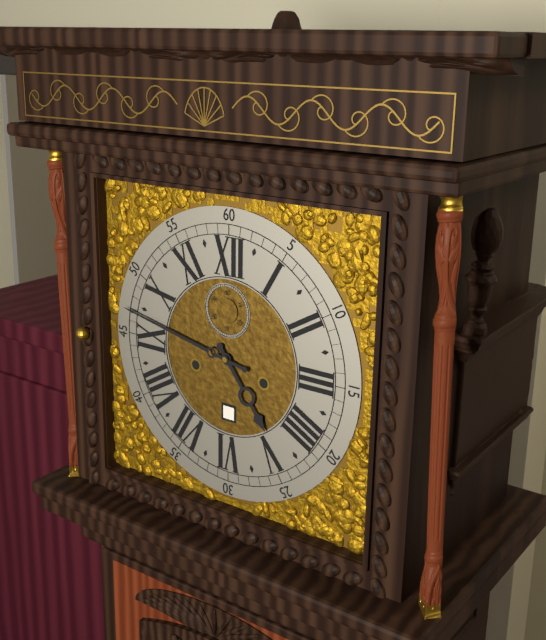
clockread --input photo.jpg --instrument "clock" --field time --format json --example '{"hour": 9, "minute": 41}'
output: {"hour": 4, "minute": 47}
